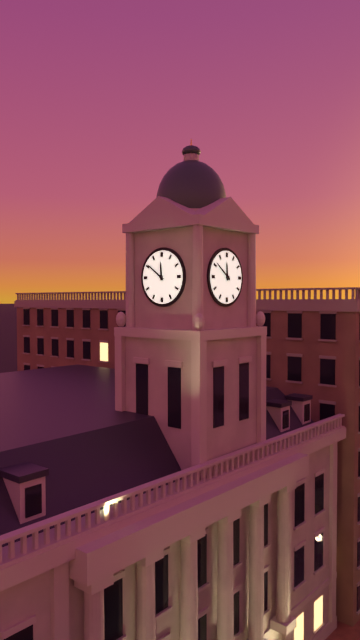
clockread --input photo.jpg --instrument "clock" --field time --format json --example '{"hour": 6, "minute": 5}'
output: {"hour": 11, "minute": 51}
